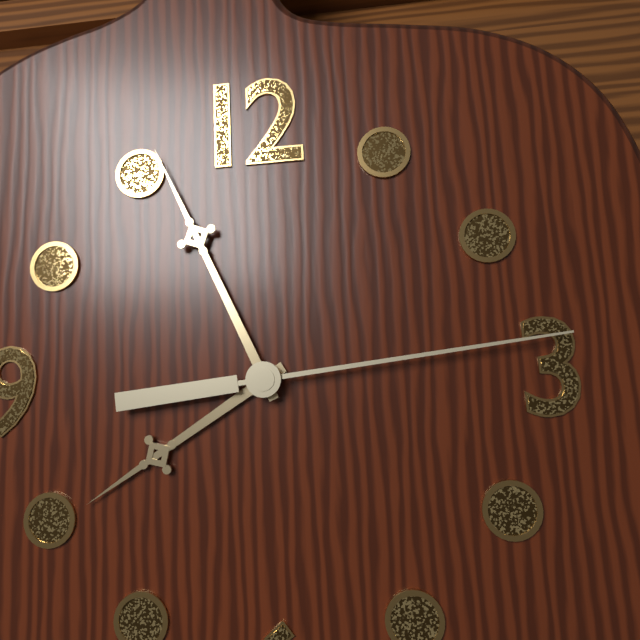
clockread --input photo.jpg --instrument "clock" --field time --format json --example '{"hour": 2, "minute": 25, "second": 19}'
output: {"hour": 7, "minute": 56, "second": 14}
